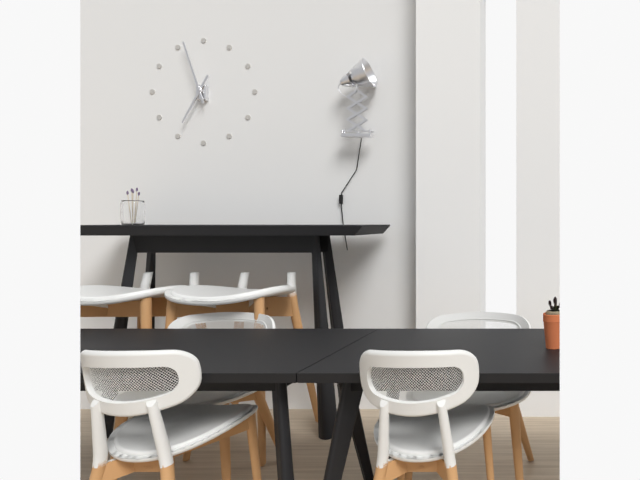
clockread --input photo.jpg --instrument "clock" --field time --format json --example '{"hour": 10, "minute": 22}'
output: {"hour": 6, "minute": 57}
